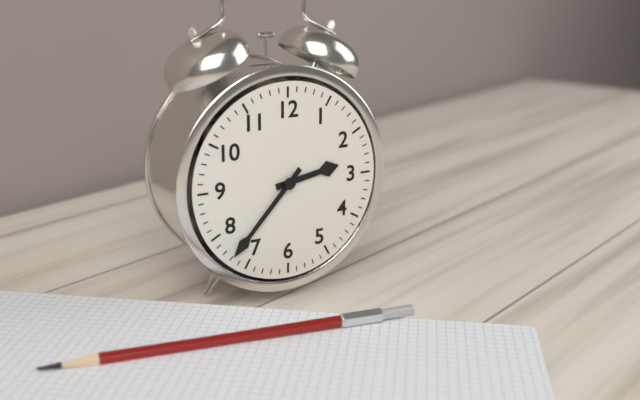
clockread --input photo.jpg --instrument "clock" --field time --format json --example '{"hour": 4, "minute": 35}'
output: {"hour": 2, "minute": 37}
